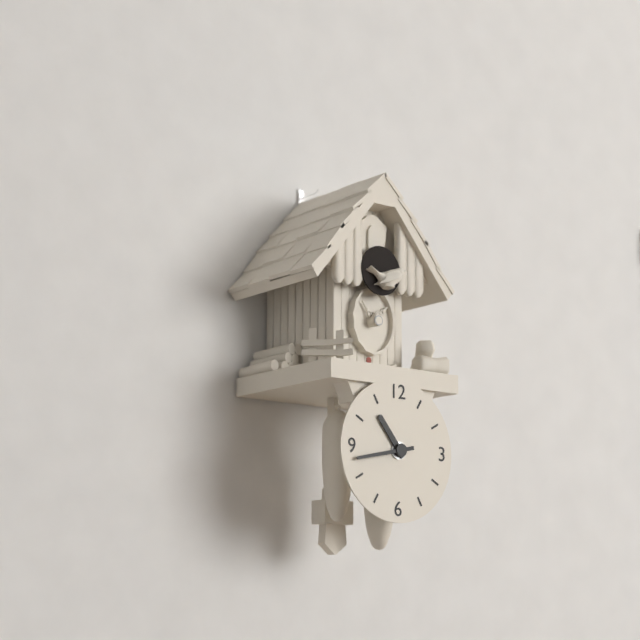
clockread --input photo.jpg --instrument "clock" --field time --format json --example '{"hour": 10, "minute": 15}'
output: {"hour": 10, "minute": 43}
